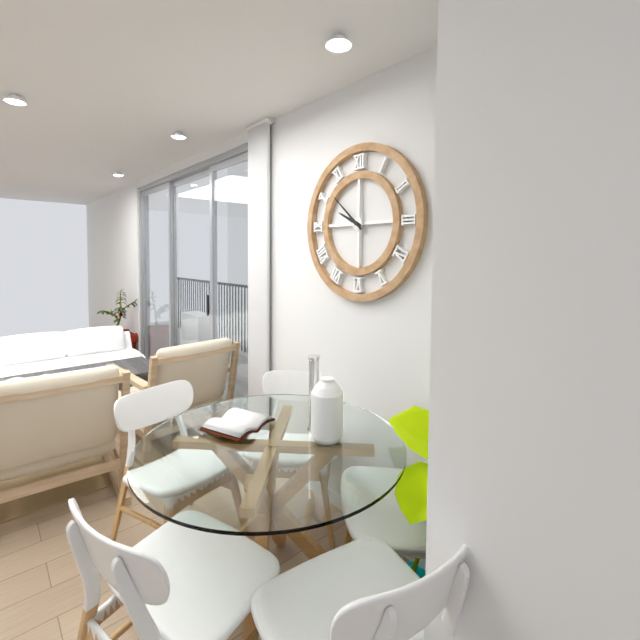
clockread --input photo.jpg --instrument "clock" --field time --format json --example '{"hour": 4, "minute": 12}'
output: {"hour": 9, "minute": 52}
